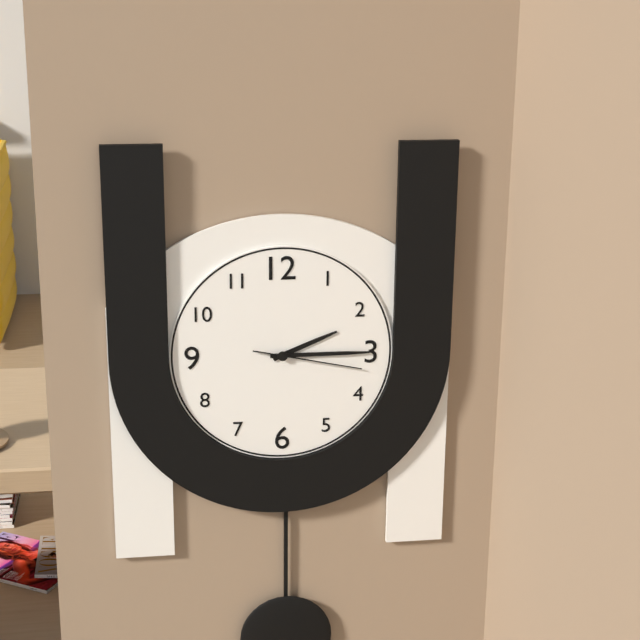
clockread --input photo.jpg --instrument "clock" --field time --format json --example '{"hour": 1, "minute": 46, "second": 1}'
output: {"hour": 2, "minute": 15, "second": 17}
